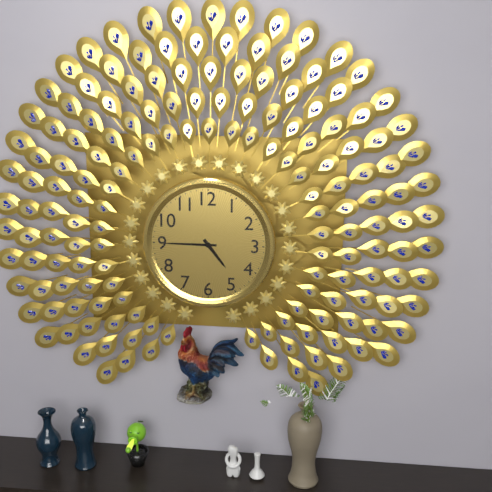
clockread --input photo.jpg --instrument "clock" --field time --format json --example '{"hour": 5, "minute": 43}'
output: {"hour": 4, "minute": 45}
